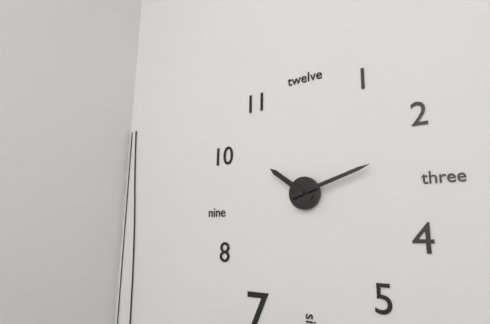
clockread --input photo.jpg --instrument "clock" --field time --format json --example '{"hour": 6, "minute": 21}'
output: {"hour": 10, "minute": 12}
